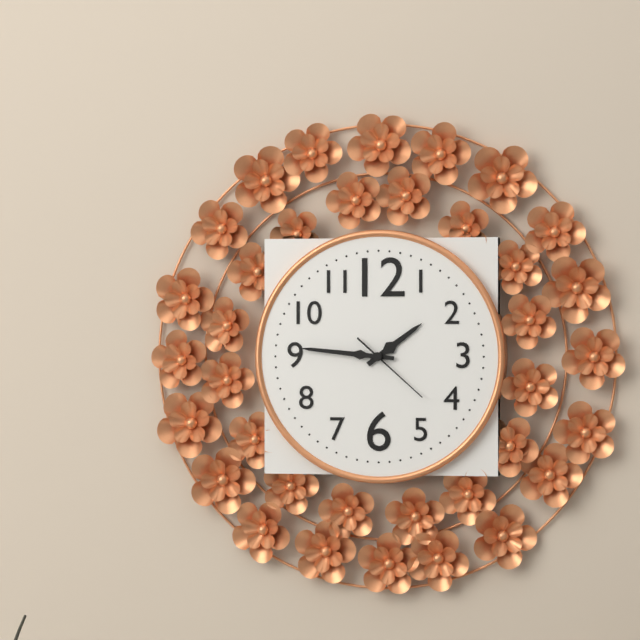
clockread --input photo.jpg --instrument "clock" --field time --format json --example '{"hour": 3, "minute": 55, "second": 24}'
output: {"hour": 1, "minute": 46, "second": 22}
